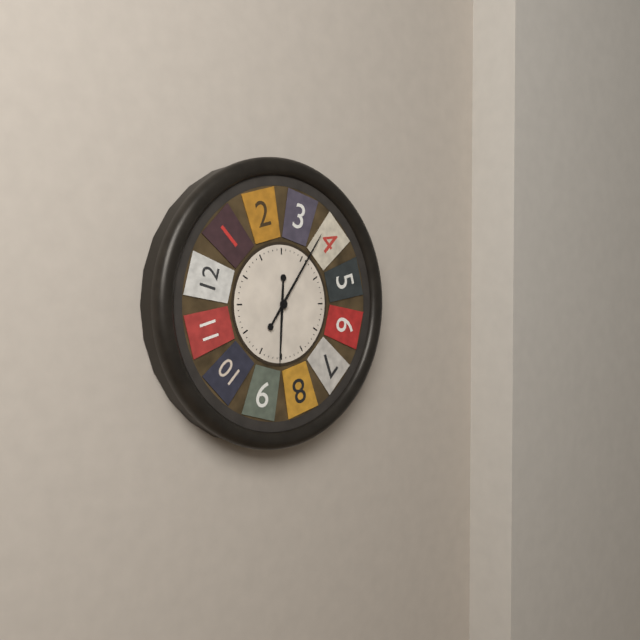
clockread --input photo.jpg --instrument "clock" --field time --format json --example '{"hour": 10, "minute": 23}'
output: {"hour": 6, "minute": 6}
